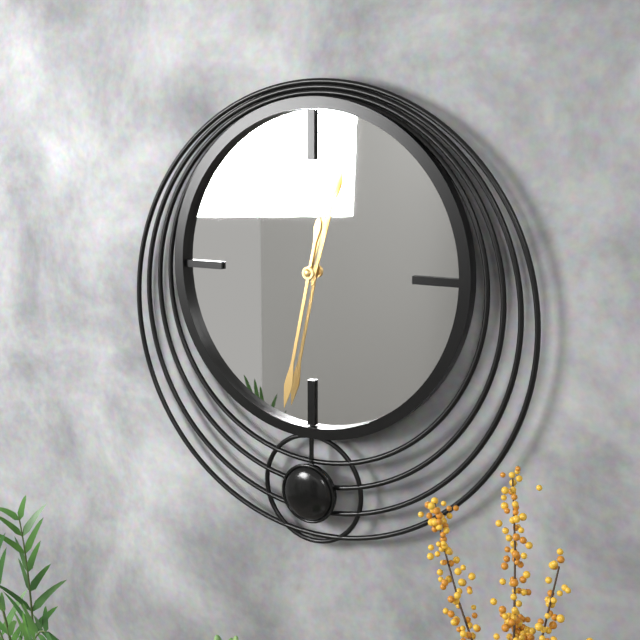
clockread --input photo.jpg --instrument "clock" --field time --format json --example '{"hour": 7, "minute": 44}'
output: {"hour": 12, "minute": 32}
